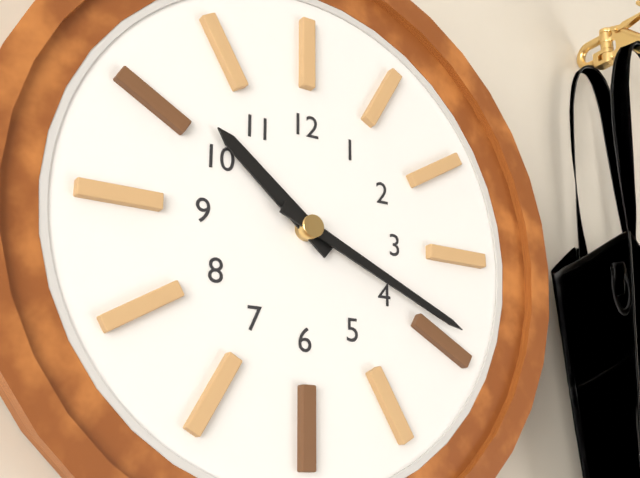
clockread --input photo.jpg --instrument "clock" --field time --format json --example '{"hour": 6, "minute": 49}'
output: {"hour": 10, "minute": 19}
